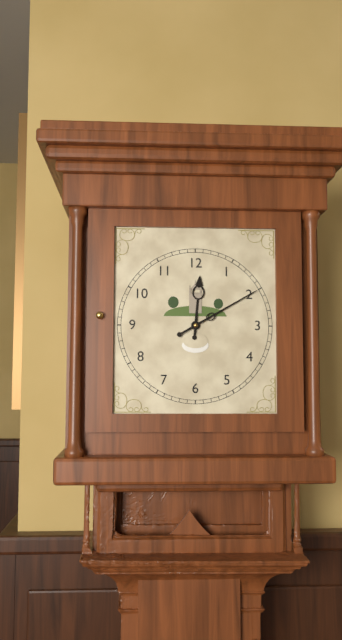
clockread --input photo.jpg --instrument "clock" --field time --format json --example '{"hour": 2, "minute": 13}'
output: {"hour": 12, "minute": 10}
